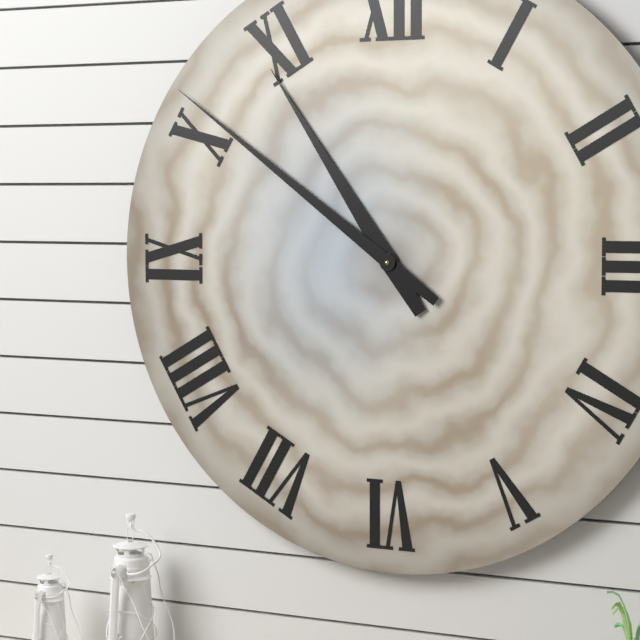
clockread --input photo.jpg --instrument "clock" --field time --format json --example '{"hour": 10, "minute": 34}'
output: {"hour": 10, "minute": 51}
